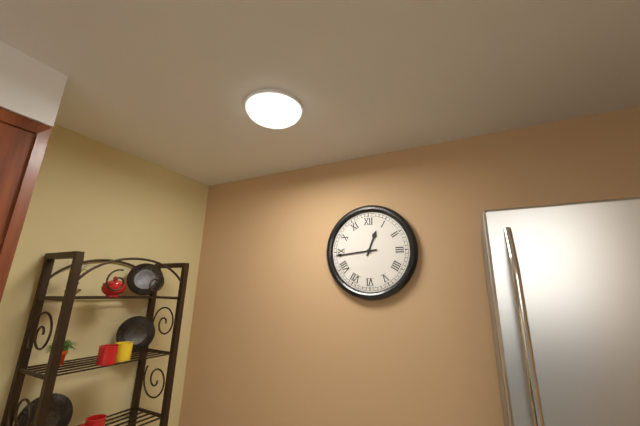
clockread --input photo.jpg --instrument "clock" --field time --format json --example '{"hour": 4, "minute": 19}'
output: {"hour": 12, "minute": 44}
